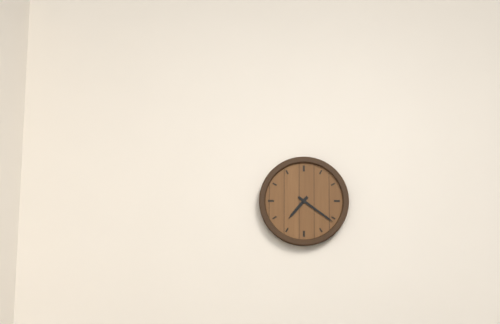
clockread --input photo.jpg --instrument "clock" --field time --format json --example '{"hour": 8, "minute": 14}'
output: {"hour": 7, "minute": 21}
